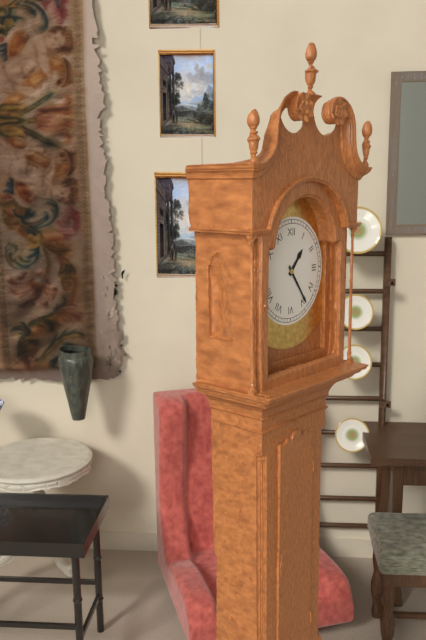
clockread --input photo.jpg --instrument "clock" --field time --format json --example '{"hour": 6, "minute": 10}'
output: {"hour": 1, "minute": 24}
